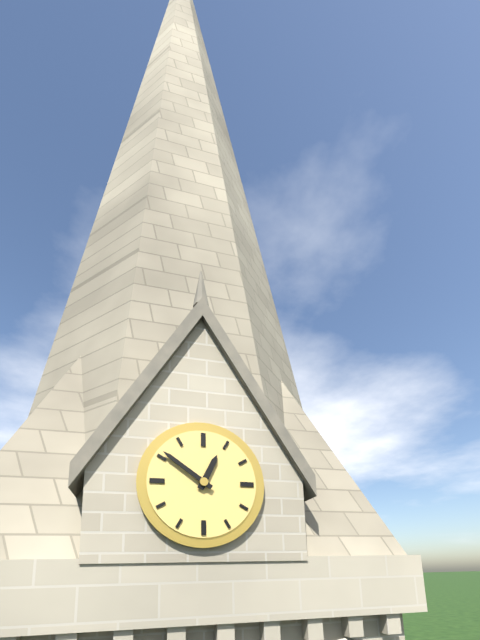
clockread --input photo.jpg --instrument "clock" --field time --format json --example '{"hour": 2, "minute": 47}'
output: {"hour": 12, "minute": 51}
